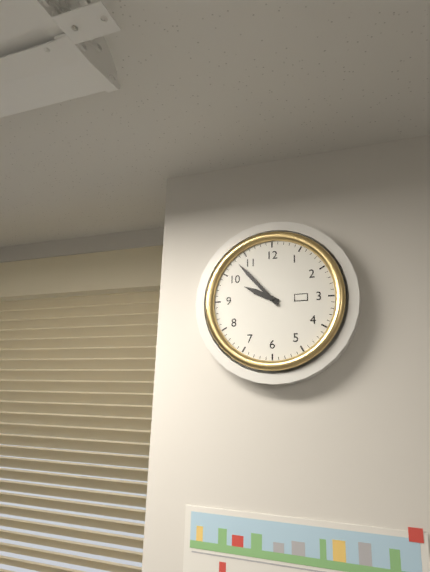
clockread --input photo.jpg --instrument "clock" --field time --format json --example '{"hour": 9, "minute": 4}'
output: {"hour": 9, "minute": 53}
